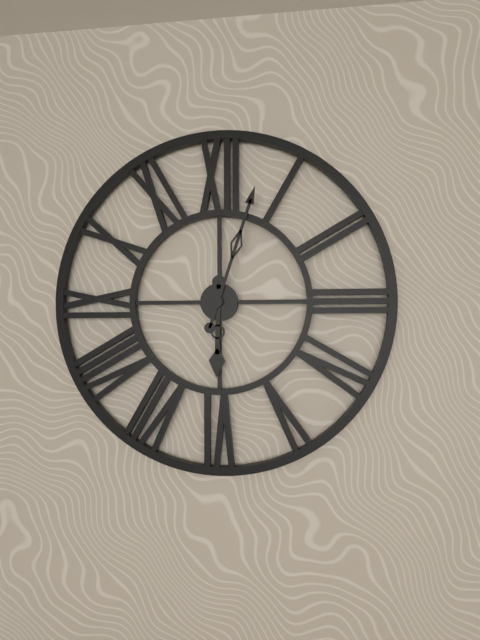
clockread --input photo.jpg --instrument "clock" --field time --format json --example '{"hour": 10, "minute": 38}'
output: {"hour": 6, "minute": 3}
